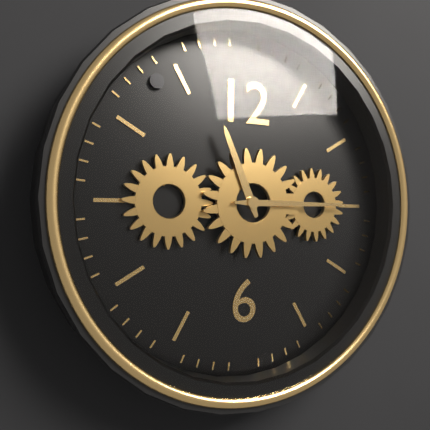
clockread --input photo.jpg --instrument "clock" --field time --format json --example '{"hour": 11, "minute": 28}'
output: {"hour": 11, "minute": 15}
